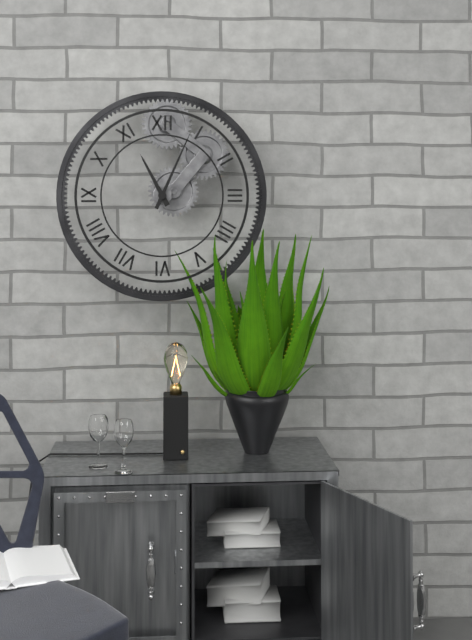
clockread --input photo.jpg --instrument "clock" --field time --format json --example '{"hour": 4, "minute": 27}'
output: {"hour": 11, "minute": 4}
